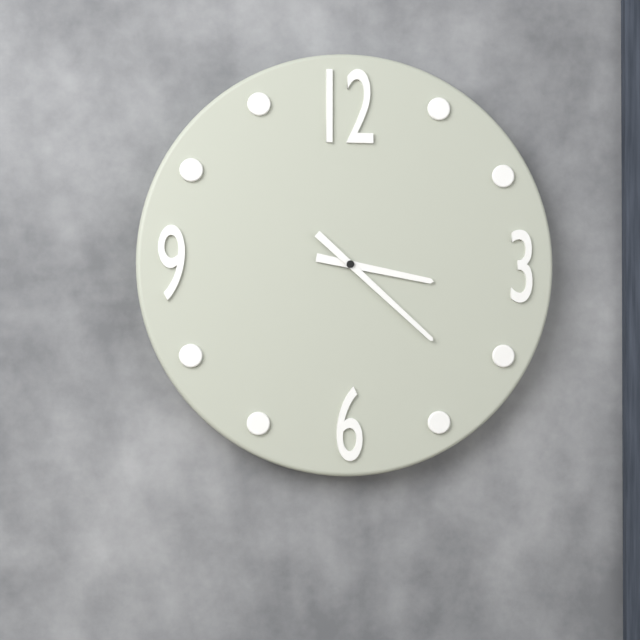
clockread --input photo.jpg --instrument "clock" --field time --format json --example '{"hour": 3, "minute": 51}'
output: {"hour": 3, "minute": 22}
